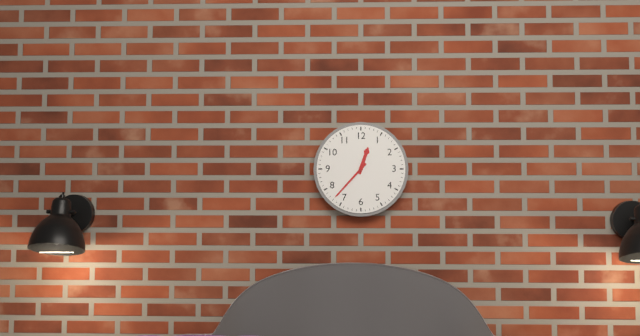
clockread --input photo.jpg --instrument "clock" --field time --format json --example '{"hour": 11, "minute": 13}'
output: {"hour": 12, "minute": 37}
